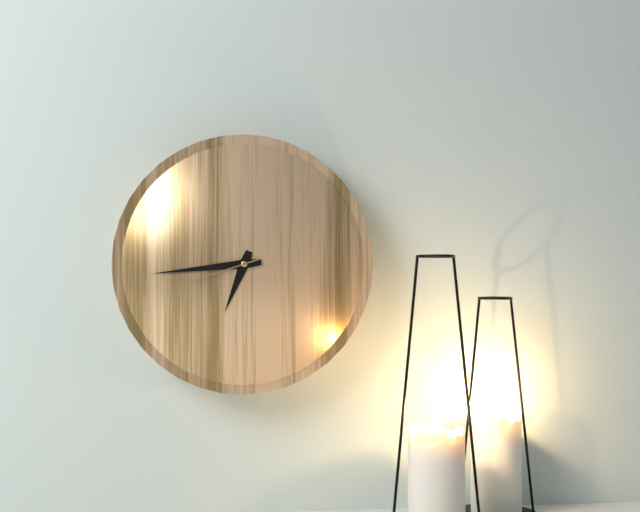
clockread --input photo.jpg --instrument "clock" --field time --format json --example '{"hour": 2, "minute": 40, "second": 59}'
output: {"hour": 6, "minute": 44, "second": 42}
